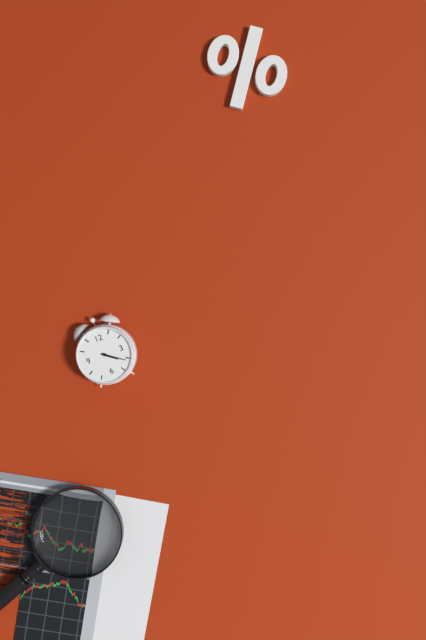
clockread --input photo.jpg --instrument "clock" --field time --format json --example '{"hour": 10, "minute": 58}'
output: {"hour": 4, "minute": 21}
